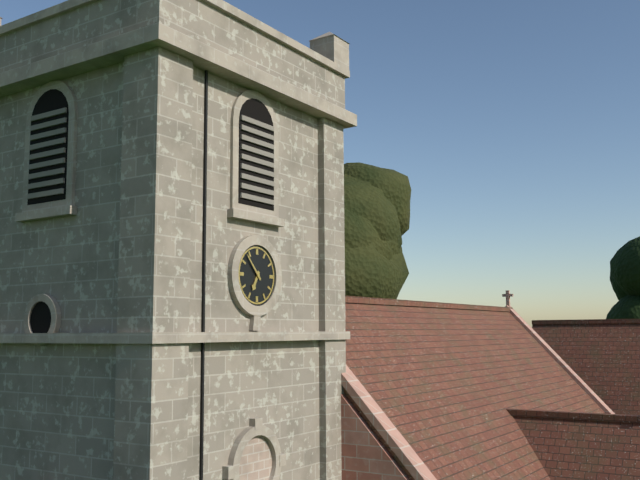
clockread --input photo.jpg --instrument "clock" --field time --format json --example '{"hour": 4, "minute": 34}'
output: {"hour": 6, "minute": 53}
